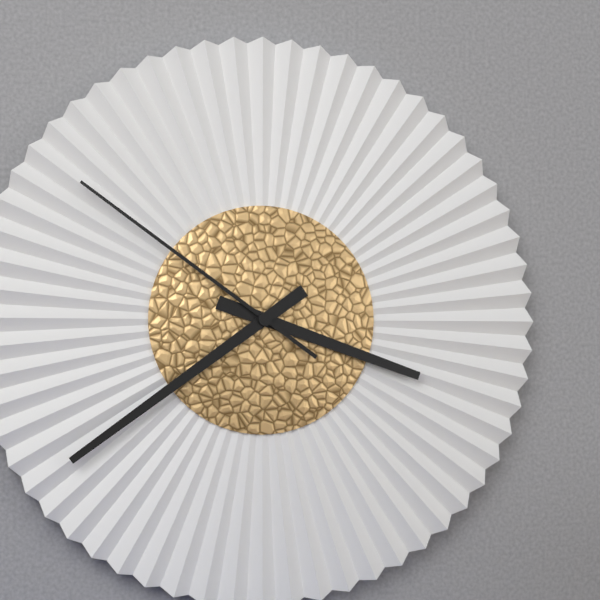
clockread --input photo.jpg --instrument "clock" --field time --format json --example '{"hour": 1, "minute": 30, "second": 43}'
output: {"hour": 3, "minute": 39, "second": 51}
